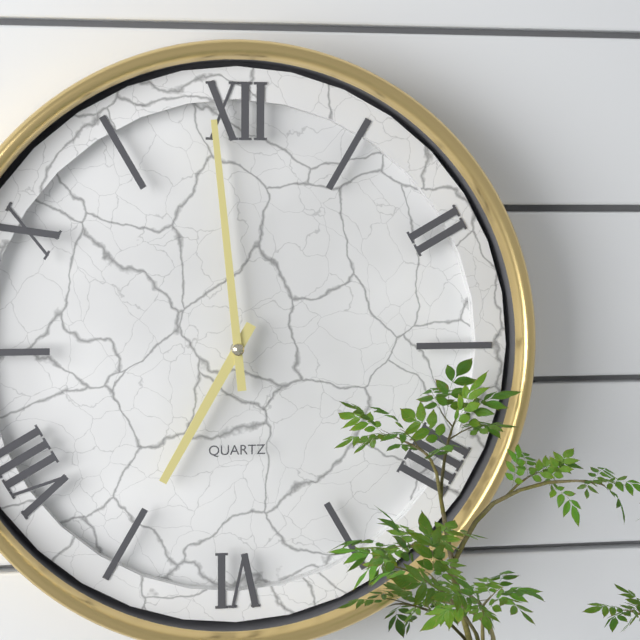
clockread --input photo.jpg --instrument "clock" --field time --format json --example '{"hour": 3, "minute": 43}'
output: {"hour": 6, "minute": 59}
